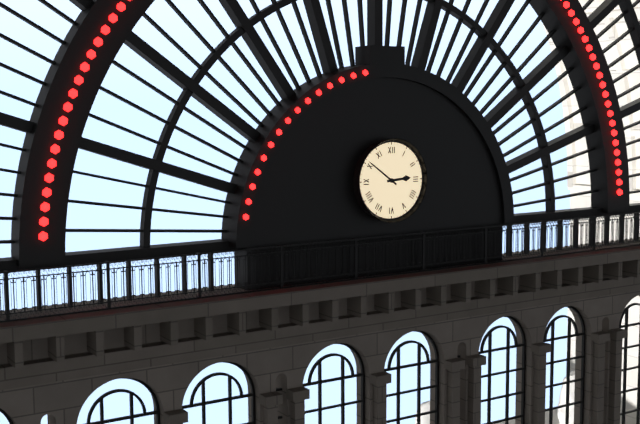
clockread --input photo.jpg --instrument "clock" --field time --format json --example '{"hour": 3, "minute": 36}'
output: {"hour": 2, "minute": 51}
